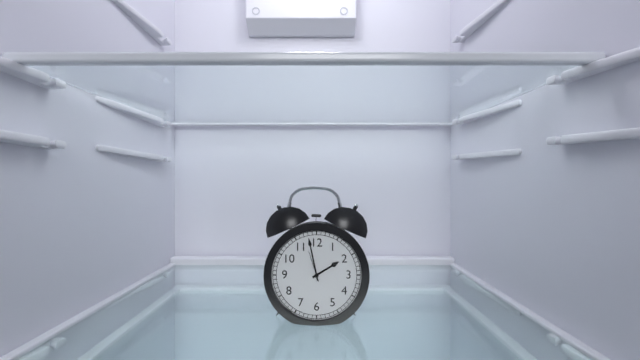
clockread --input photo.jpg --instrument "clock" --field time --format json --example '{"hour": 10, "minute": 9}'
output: {"hour": 1, "minute": 58}
